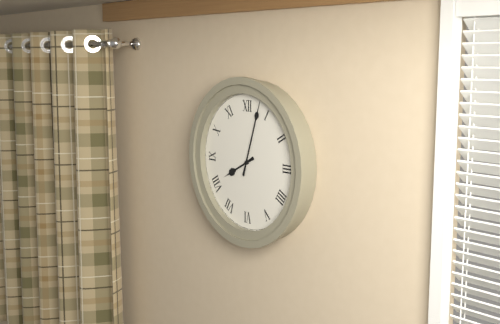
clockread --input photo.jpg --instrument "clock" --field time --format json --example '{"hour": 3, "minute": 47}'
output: {"hour": 8, "minute": 3}
